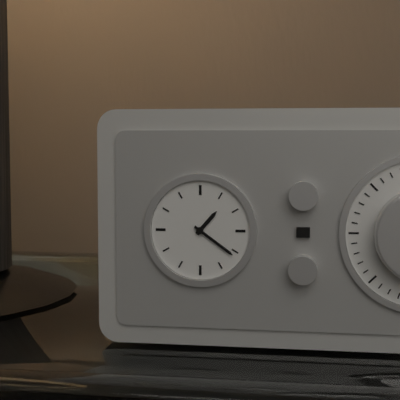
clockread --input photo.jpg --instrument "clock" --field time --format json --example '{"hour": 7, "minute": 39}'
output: {"hour": 1, "minute": 21}
